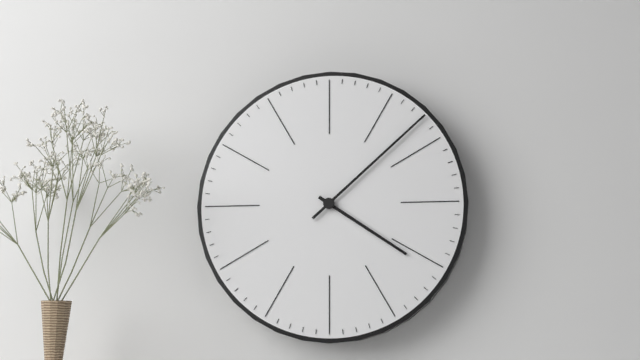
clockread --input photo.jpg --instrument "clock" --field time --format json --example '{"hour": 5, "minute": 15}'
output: {"hour": 4, "minute": 8}
